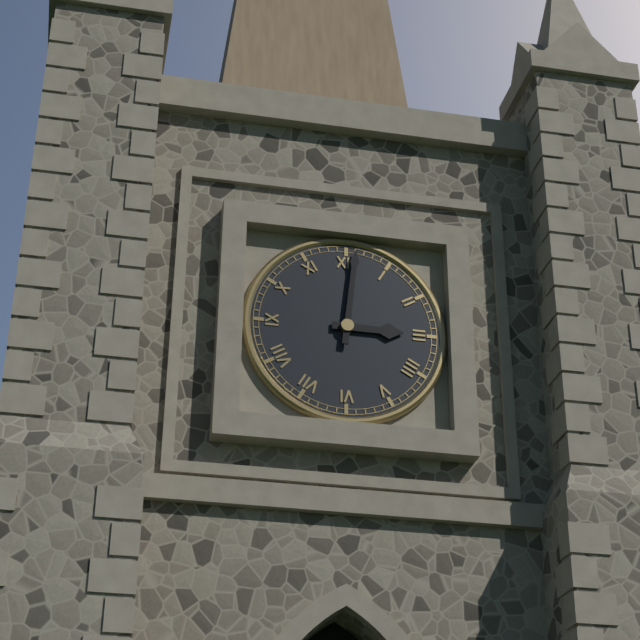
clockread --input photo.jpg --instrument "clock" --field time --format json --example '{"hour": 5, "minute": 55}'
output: {"hour": 3, "minute": 1}
